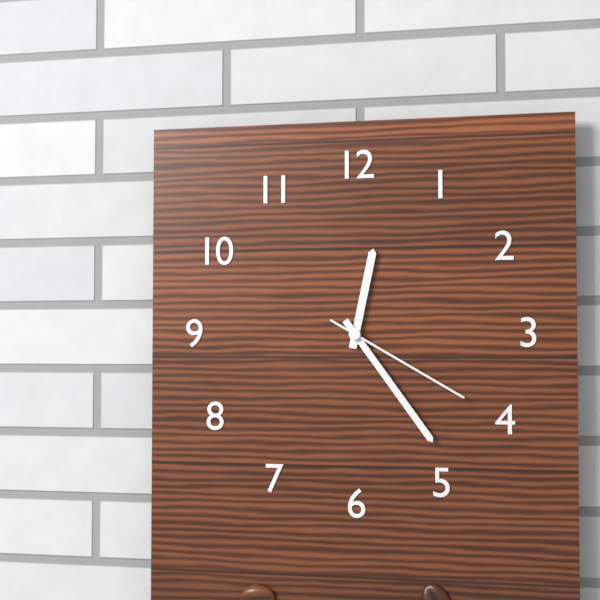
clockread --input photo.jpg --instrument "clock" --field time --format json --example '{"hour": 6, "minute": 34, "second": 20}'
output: {"hour": 12, "minute": 24, "second": 20}
